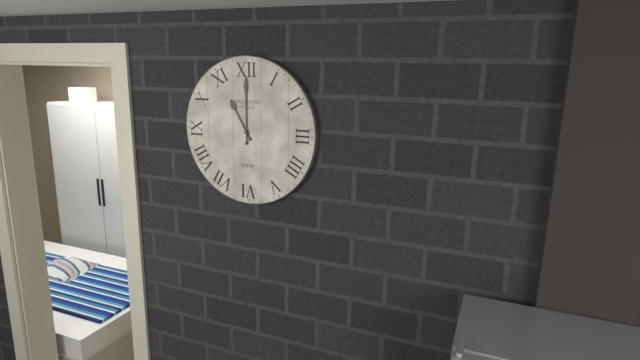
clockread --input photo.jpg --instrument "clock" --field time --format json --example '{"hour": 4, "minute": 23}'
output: {"hour": 11, "minute": 0}
